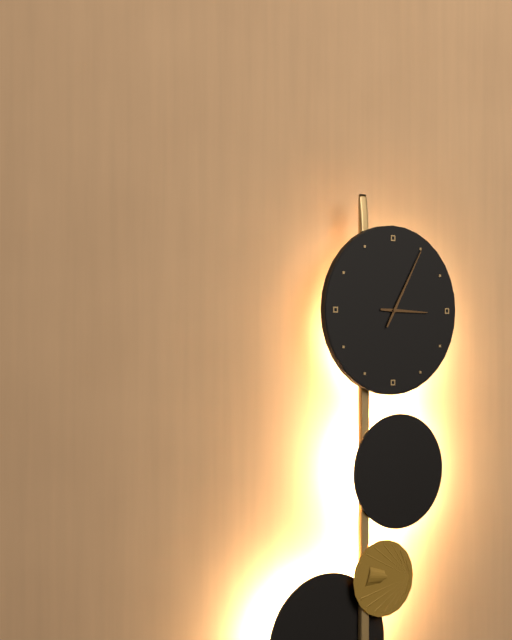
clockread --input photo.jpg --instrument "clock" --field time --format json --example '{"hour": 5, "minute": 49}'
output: {"hour": 3, "minute": 5}
